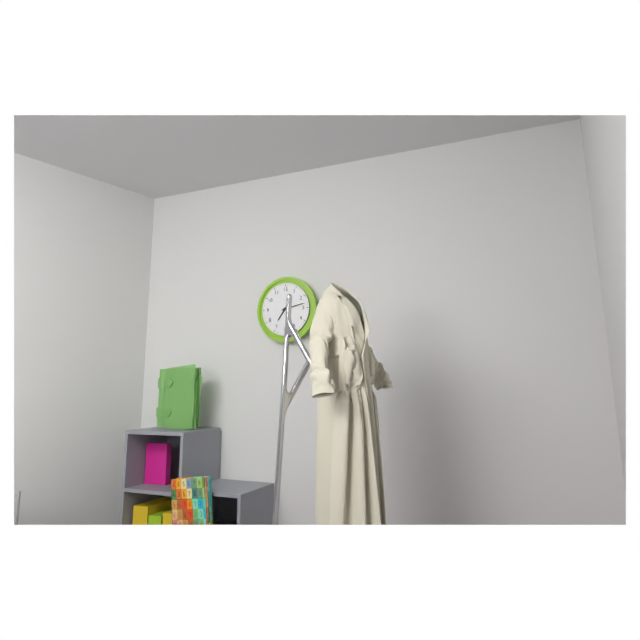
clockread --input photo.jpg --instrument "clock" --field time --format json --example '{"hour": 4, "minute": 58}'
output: {"hour": 7, "minute": 13}
